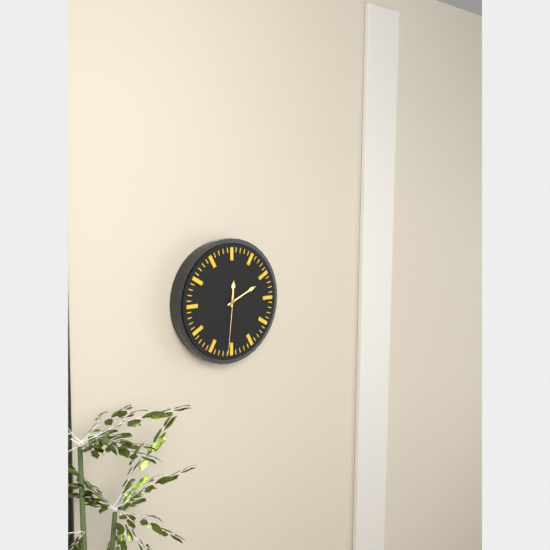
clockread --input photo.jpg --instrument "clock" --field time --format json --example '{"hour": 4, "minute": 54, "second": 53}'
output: {"hour": 12, "minute": 11, "second": 31}
